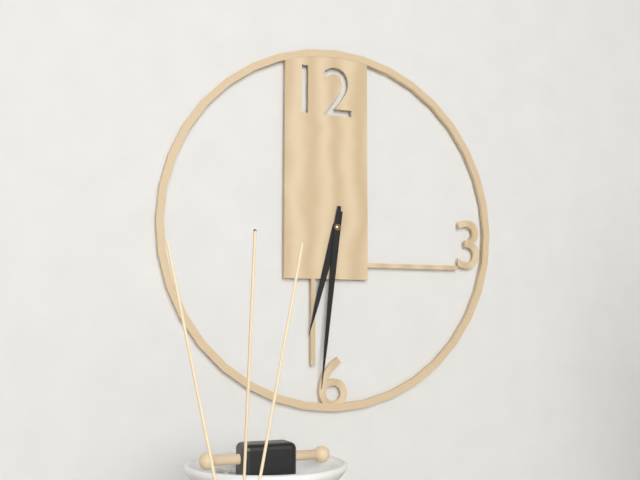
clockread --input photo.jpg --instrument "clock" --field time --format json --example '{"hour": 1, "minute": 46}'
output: {"hour": 6, "minute": 31}
